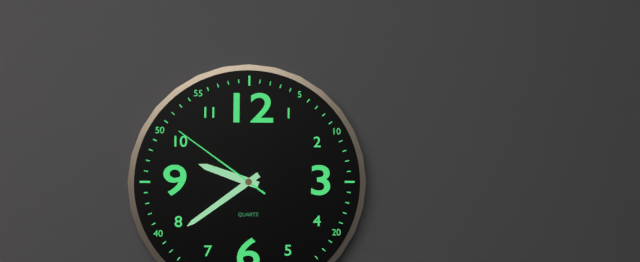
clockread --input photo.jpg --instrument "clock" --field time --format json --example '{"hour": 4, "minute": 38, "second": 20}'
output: {"hour": 9, "minute": 39, "second": 51}
